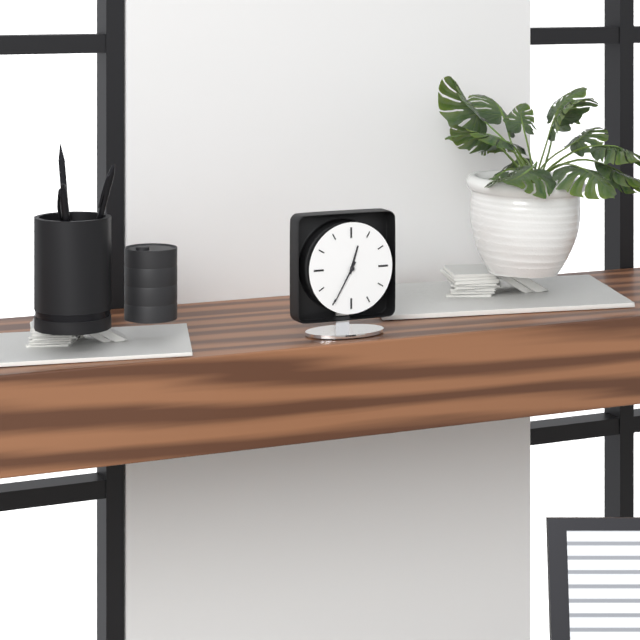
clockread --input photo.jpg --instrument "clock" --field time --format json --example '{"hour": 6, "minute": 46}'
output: {"hour": 12, "minute": 35}
